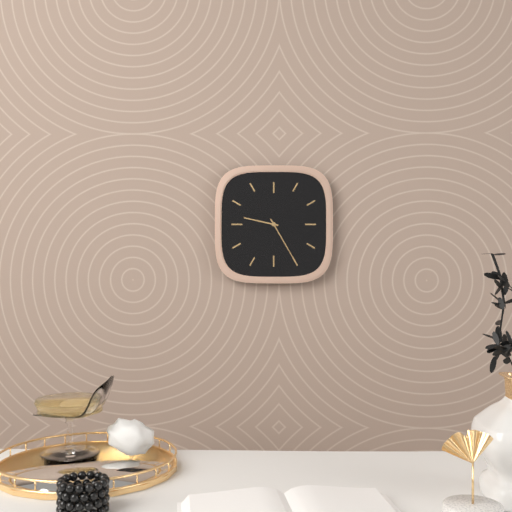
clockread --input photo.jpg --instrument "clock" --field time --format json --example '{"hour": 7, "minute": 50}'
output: {"hour": 9, "minute": 25}
